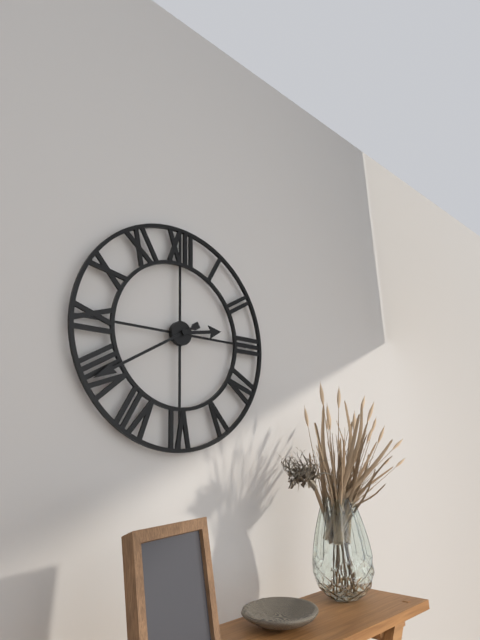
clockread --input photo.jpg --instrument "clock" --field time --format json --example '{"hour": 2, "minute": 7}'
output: {"hour": 2, "minute": 40}
